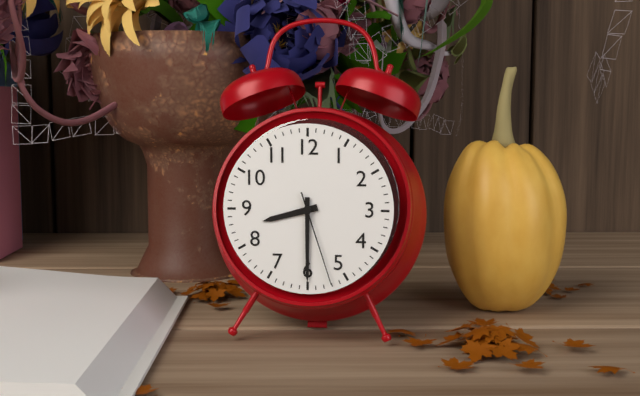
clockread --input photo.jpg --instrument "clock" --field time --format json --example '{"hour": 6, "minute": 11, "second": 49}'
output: {"hour": 8, "minute": 30, "second": 27}
